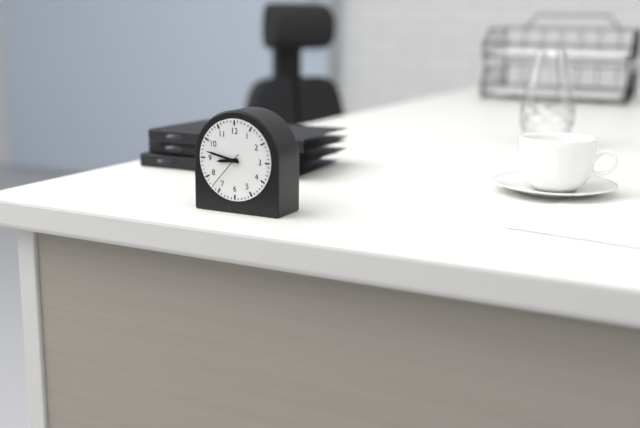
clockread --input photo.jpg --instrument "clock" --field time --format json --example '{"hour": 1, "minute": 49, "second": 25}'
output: {"hour": 8, "minute": 47, "second": 37}
